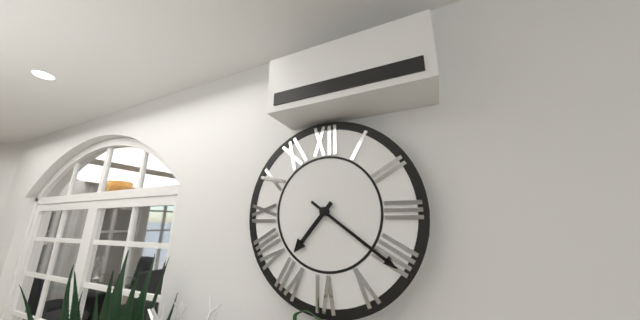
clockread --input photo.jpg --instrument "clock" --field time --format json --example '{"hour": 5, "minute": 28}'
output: {"hour": 7, "minute": 21}
